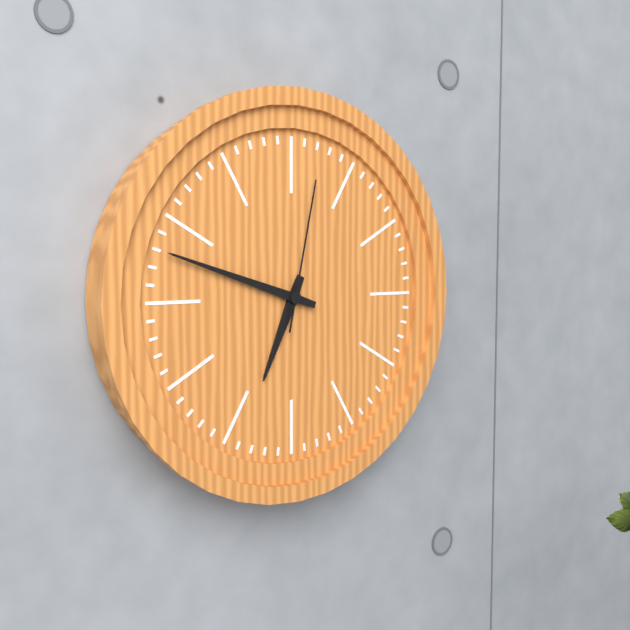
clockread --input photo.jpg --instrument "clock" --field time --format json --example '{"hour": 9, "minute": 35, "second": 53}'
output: {"hour": 6, "minute": 48, "second": 2}
